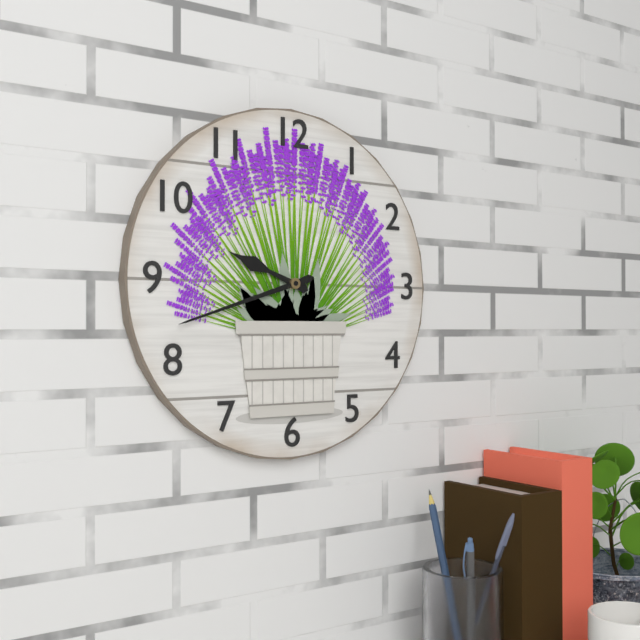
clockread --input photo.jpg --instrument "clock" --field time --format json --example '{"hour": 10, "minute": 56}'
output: {"hour": 9, "minute": 42}
